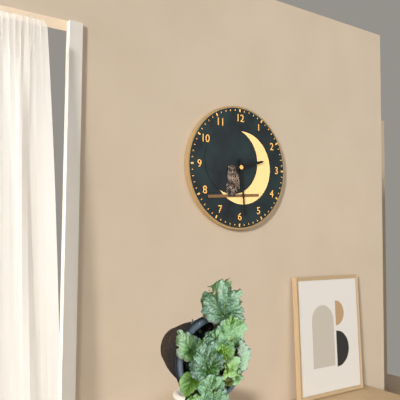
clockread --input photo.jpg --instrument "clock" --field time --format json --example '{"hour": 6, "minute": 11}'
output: {"hour": 2, "minute": 29}
